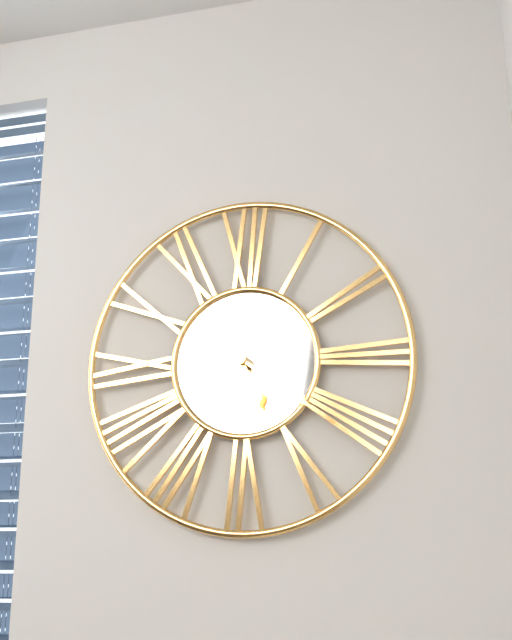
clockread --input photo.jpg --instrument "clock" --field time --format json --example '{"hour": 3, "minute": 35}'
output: {"hour": 5, "minute": 21}
